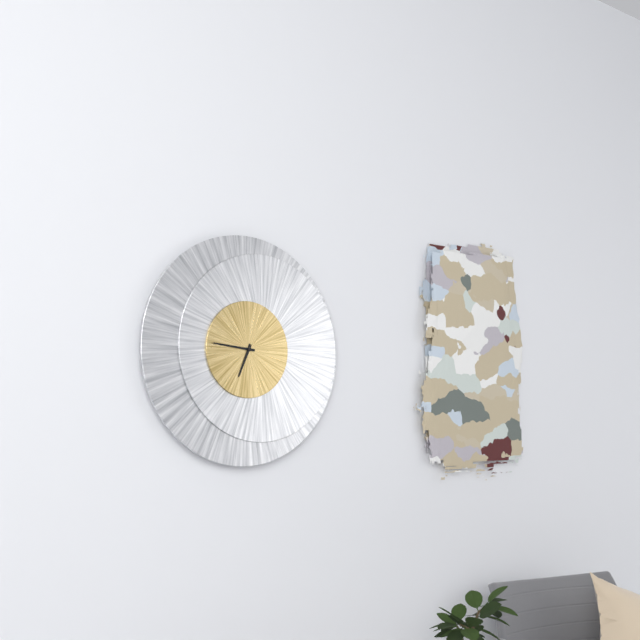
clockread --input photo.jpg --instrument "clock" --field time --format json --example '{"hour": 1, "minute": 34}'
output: {"hour": 6, "minute": 46}
